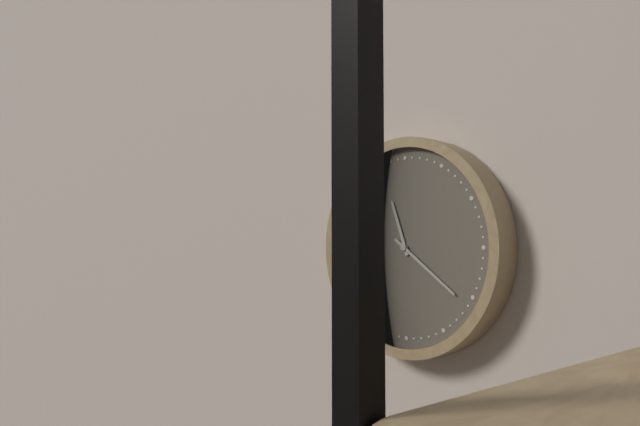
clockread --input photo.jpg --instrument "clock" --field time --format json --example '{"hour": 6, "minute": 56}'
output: {"hour": 11, "minute": 21}
